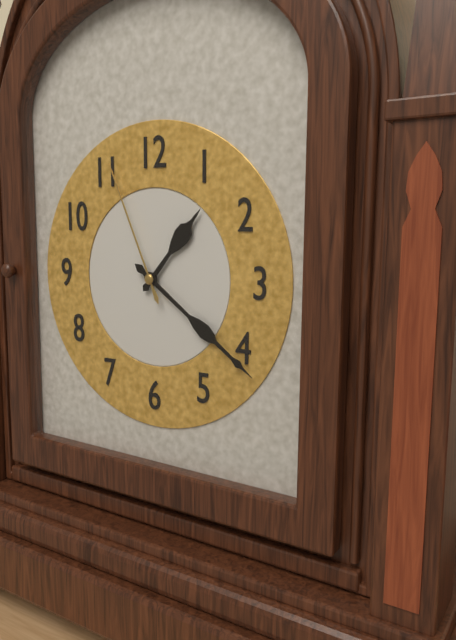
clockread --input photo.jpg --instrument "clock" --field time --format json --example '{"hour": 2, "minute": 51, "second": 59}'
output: {"hour": 1, "minute": 21, "second": 56}
